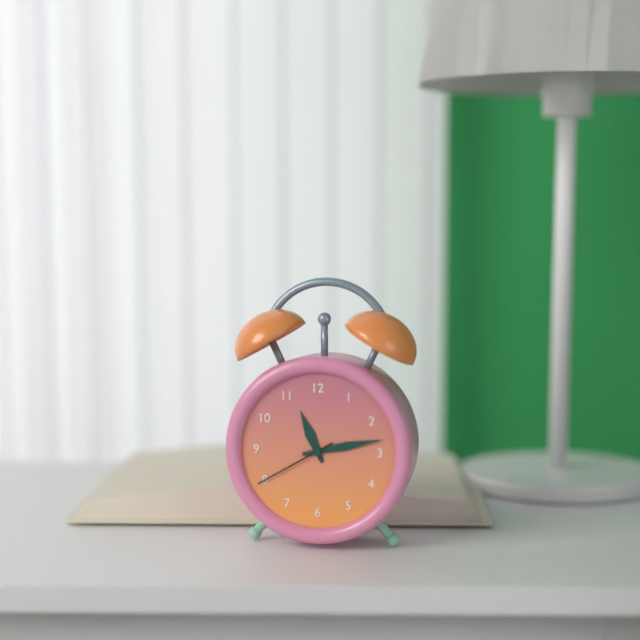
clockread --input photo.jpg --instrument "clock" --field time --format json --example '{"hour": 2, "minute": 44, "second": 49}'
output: {"hour": 11, "minute": 13, "second": 40}
